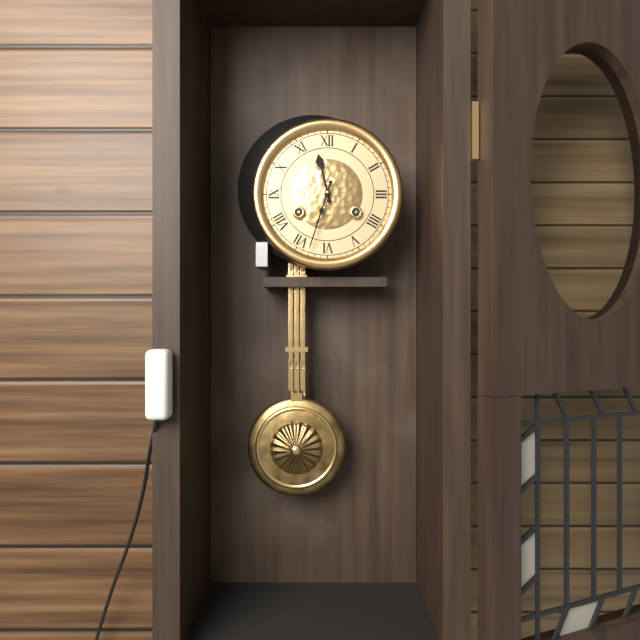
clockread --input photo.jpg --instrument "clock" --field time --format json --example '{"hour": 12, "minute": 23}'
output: {"hour": 11, "minute": 33}
